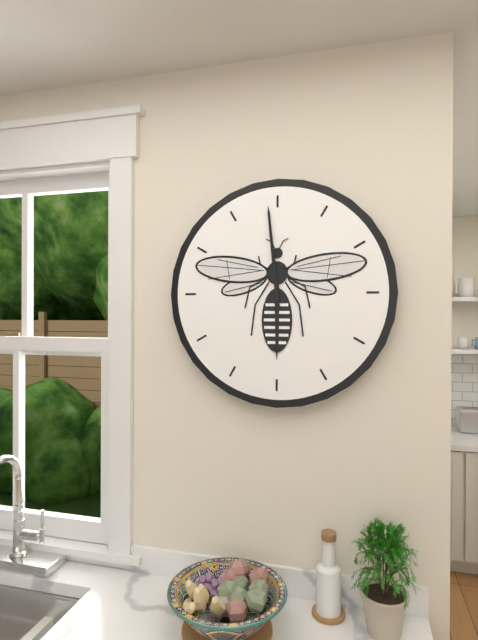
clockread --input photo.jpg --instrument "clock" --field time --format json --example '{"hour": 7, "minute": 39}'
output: {"hour": 5, "minute": 59}
